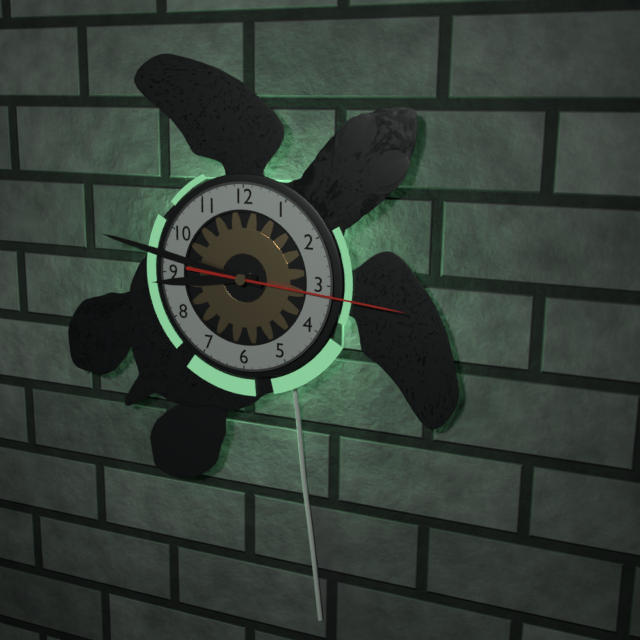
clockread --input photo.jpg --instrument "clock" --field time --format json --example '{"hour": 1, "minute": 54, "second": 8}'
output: {"hour": 8, "minute": 47, "second": 16}
